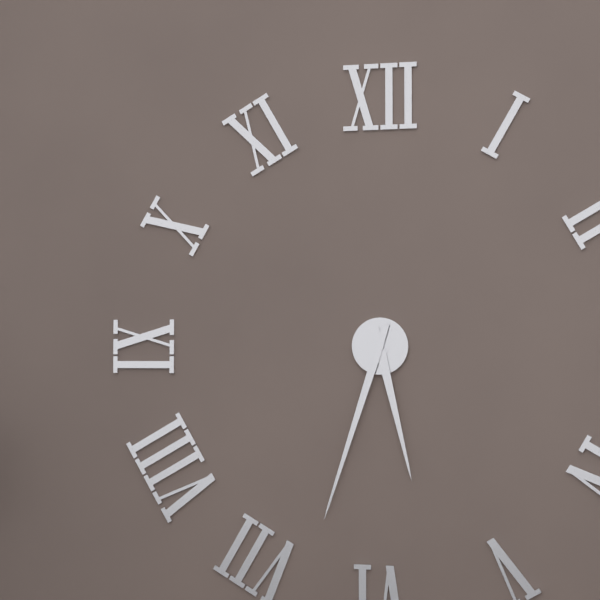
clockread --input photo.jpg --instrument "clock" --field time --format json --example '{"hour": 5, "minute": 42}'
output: {"hour": 5, "minute": 33}
